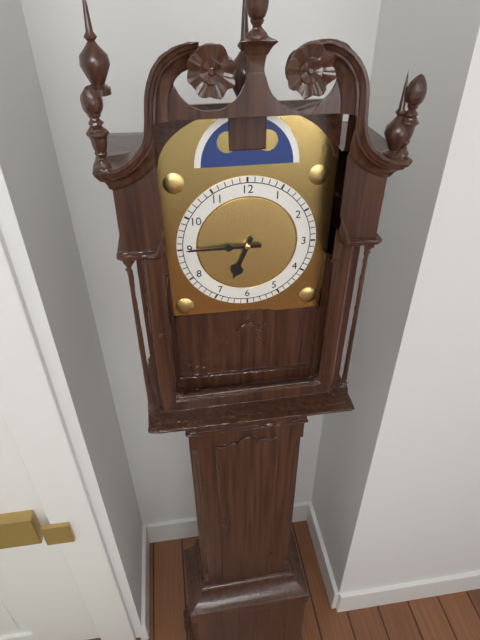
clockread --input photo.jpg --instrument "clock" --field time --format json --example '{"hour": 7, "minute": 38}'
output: {"hour": 6, "minute": 45}
